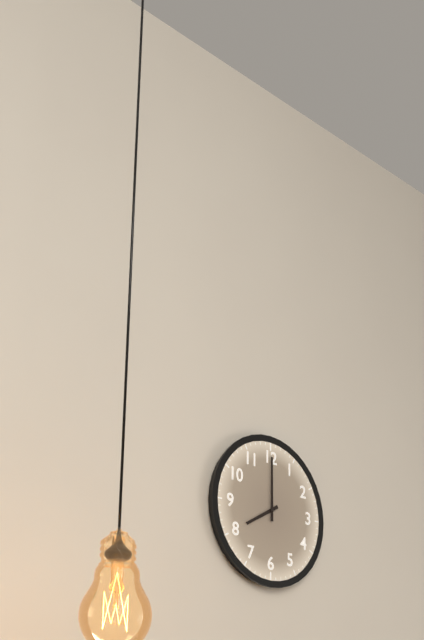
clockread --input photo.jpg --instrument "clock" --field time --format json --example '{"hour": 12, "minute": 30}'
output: {"hour": 8, "minute": 0}
